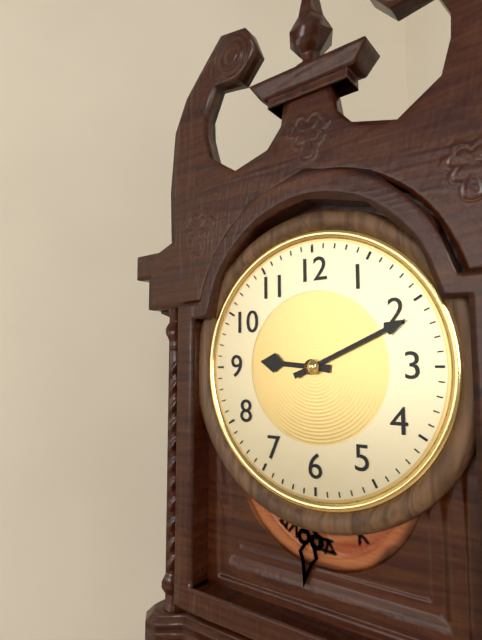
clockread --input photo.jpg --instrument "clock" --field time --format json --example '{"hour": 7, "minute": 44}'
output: {"hour": 9, "minute": 11}
